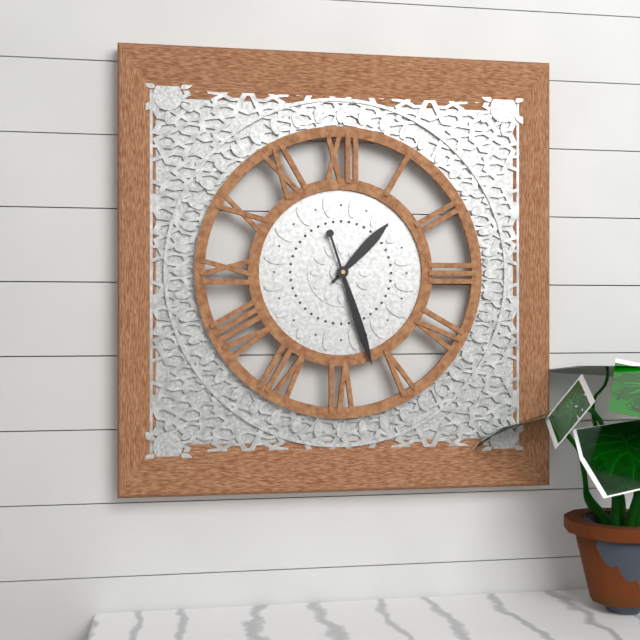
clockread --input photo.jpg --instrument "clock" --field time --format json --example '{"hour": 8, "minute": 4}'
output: {"hour": 1, "minute": 27}
